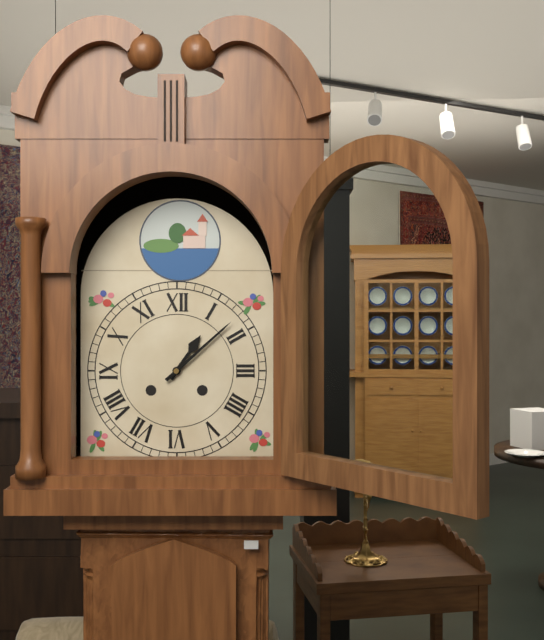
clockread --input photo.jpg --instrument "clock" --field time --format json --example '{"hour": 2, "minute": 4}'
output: {"hour": 1, "minute": 8}
